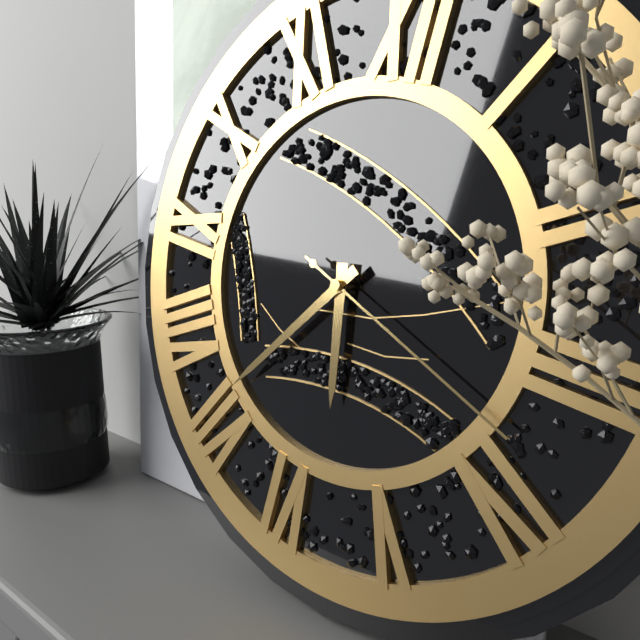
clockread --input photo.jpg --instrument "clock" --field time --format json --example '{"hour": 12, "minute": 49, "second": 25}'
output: {"hour": 5, "minute": 36, "second": 18}
